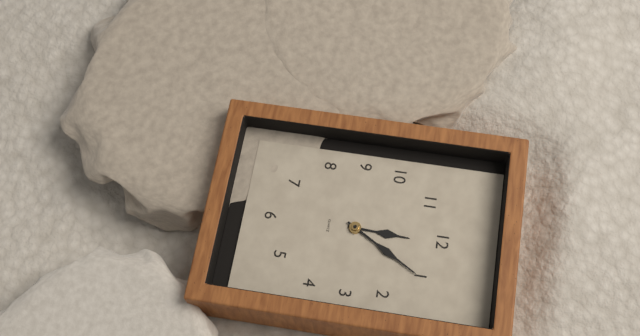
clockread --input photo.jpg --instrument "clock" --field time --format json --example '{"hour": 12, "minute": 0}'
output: {"hour": 12, "minute": 5}
